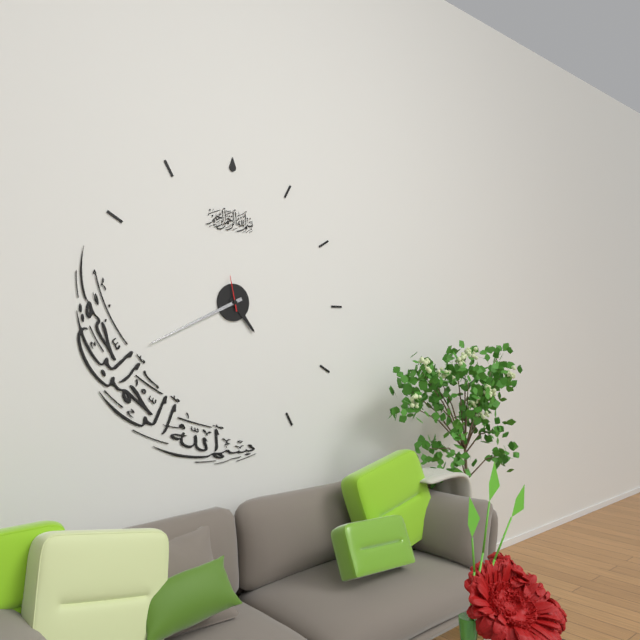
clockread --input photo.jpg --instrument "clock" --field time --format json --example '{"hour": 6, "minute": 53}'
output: {"hour": 4, "minute": 41}
